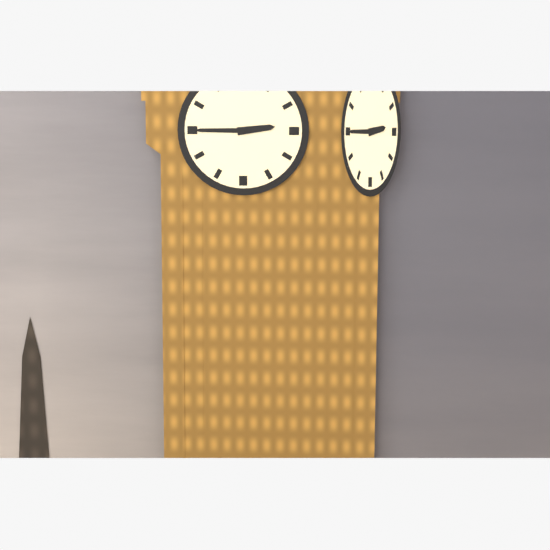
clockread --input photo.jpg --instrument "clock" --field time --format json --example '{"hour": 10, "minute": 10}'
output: {"hour": 2, "minute": 45}
